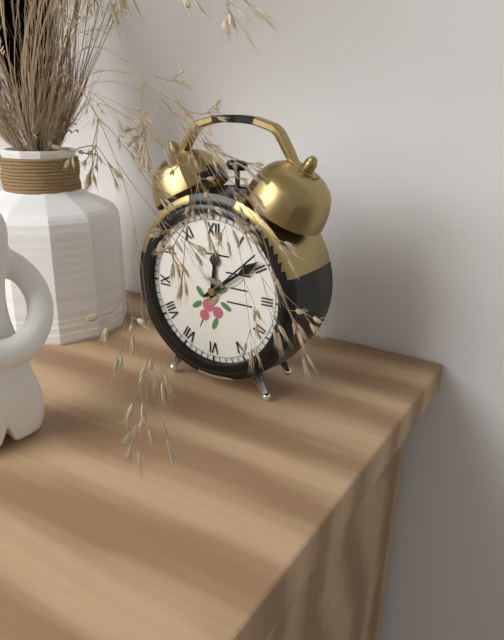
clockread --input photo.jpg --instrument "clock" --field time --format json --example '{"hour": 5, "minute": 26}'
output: {"hour": 12, "minute": 9}
